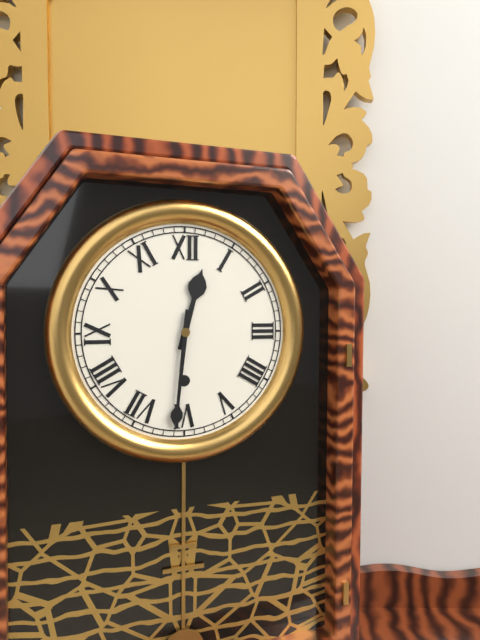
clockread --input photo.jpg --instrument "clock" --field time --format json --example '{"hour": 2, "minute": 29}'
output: {"hour": 12, "minute": 31}
